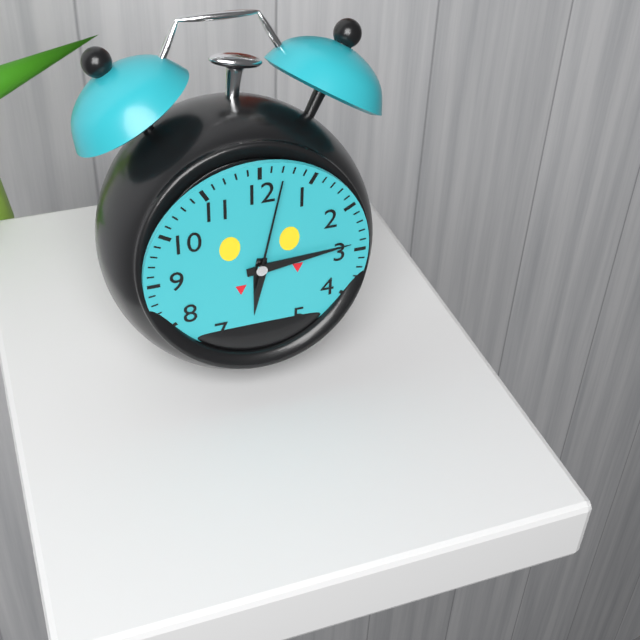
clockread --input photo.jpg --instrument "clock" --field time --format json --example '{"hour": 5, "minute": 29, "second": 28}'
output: {"hour": 6, "minute": 14, "second": 2}
